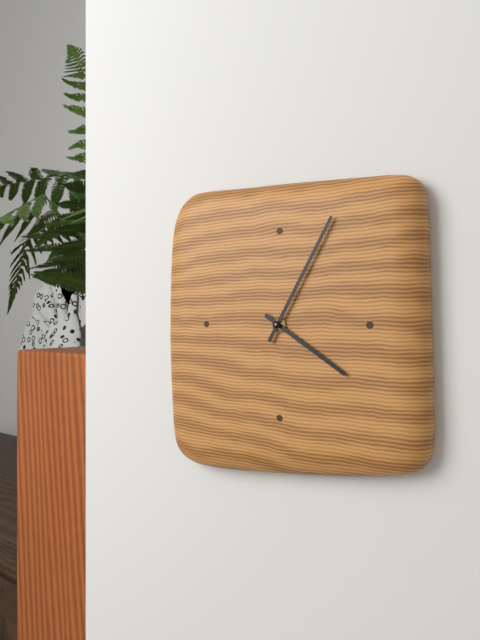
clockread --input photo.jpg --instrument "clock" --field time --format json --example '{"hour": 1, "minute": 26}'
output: {"hour": 4, "minute": 5}
